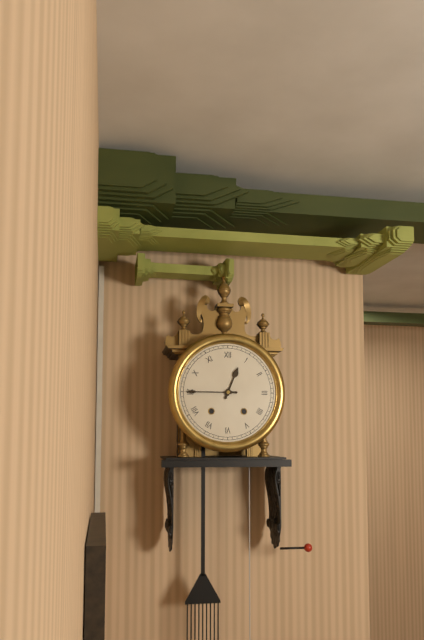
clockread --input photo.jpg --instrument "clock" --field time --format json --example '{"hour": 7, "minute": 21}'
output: {"hour": 12, "minute": 45}
